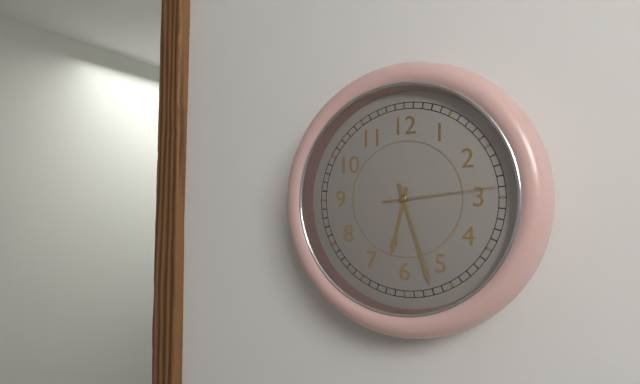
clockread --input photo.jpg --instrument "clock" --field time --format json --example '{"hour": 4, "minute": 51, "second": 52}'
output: {"hour": 6, "minute": 27, "second": 14}
